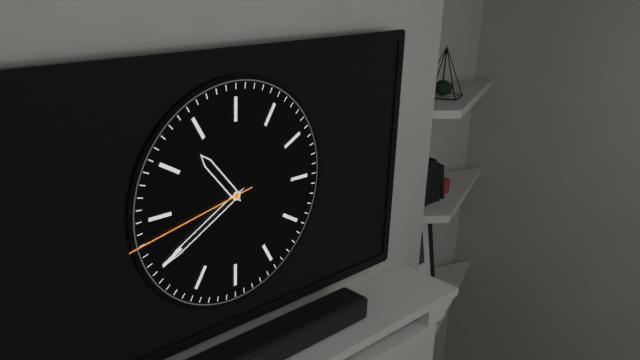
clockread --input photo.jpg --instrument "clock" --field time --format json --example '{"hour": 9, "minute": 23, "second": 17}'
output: {"hour": 10, "minute": 40, "second": 43}
